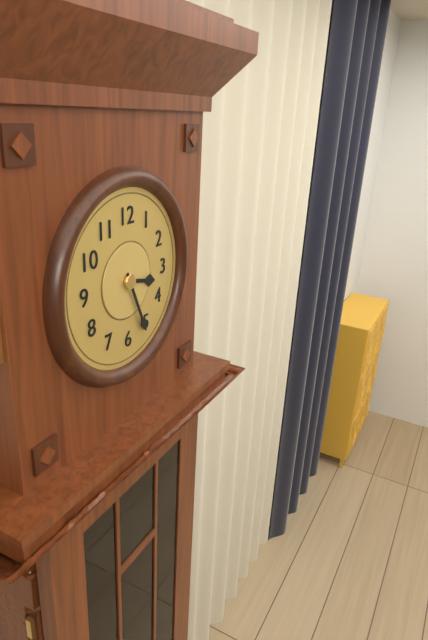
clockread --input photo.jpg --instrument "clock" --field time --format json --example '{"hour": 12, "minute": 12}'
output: {"hour": 3, "minute": 26}
